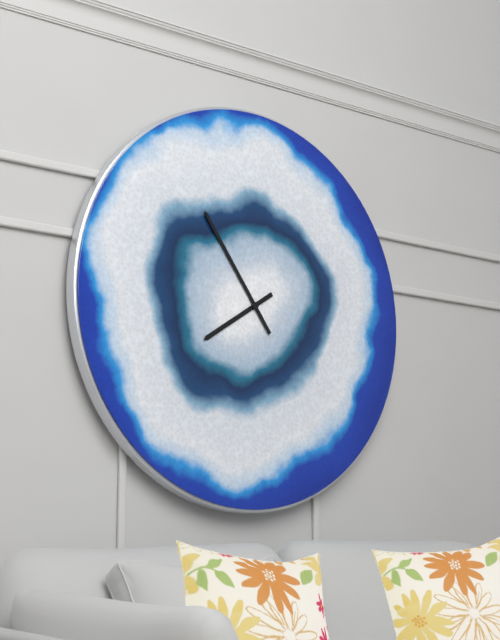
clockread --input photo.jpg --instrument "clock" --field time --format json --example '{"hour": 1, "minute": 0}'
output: {"hour": 7, "minute": 54}
